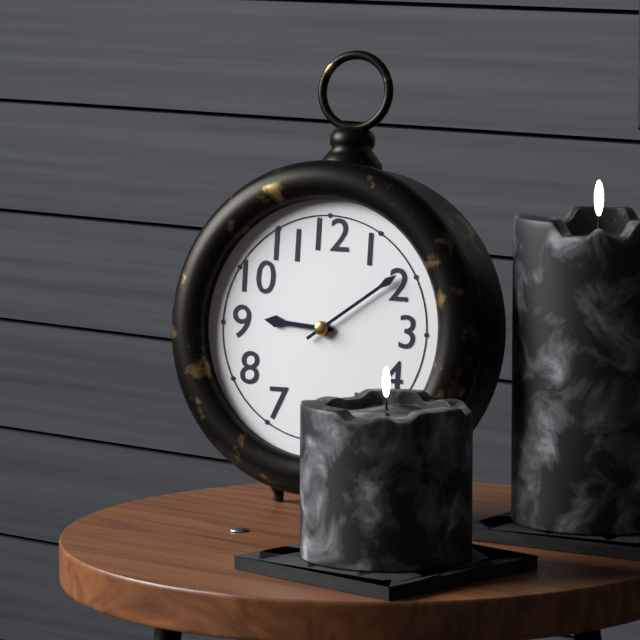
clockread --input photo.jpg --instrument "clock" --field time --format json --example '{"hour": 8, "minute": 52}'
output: {"hour": 9, "minute": 9}
